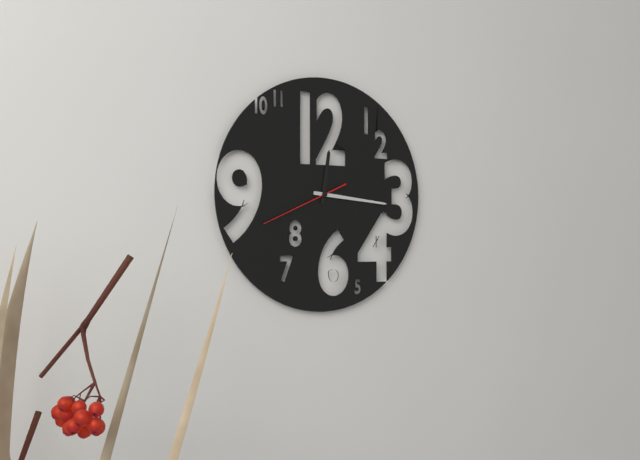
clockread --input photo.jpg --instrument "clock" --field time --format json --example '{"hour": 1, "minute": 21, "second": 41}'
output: {"hour": 12, "minute": 16, "second": 41}
